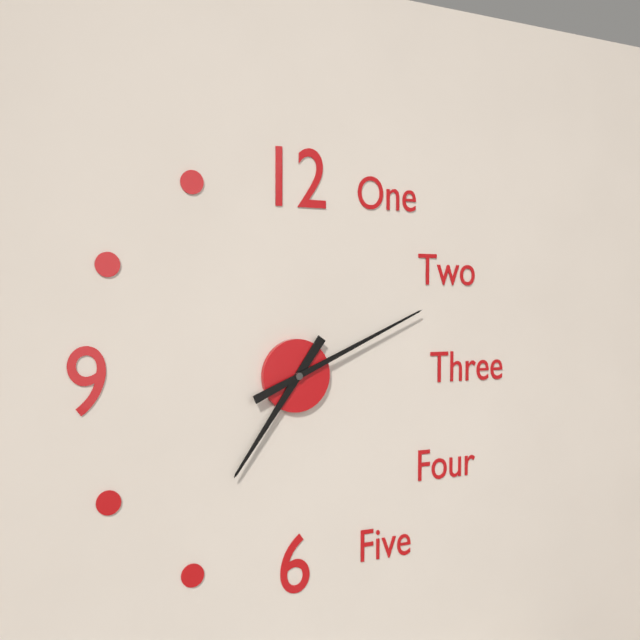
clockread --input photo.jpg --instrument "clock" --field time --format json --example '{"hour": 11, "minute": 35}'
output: {"hour": 7, "minute": 11}
